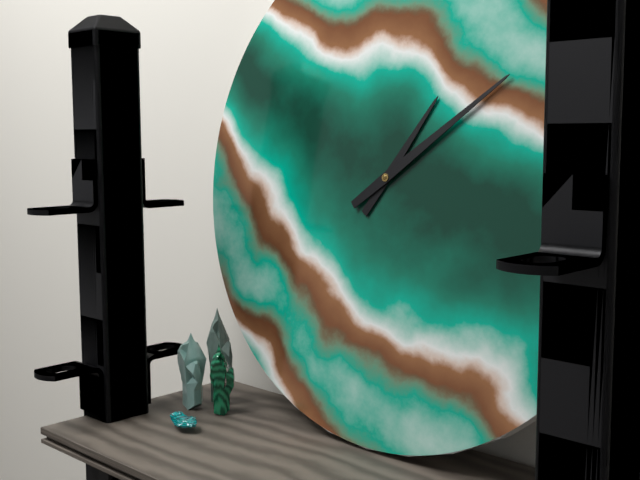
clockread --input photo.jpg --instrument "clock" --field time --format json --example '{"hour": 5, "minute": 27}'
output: {"hour": 1, "minute": 9}
